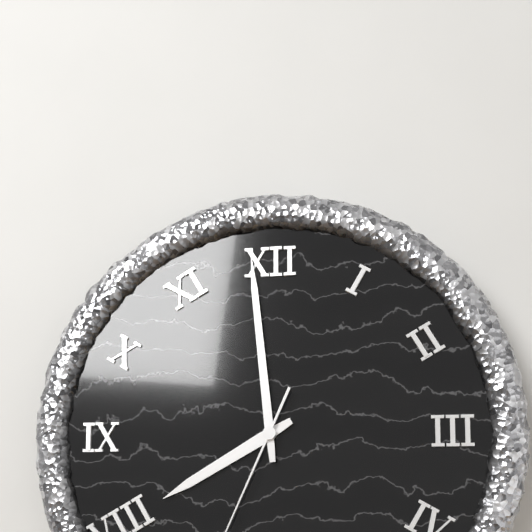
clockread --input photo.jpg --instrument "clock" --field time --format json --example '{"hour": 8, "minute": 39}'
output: {"hour": 7, "minute": 59}
